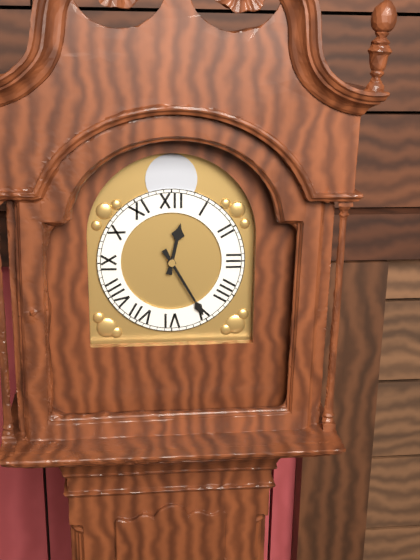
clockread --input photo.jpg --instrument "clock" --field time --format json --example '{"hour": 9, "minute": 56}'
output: {"hour": 12, "minute": 25}
